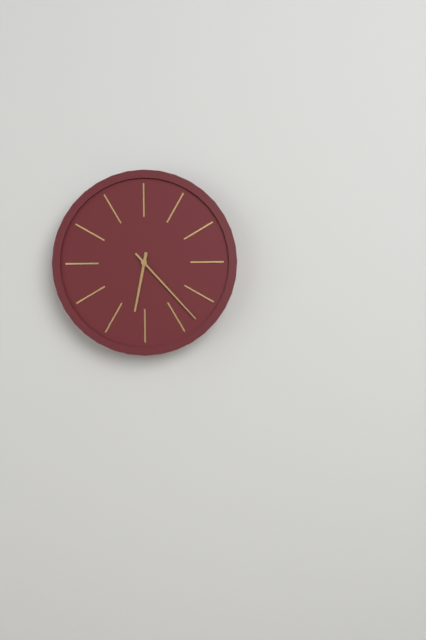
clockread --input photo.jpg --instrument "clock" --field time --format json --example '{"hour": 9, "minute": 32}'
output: {"hour": 6, "minute": 23}
